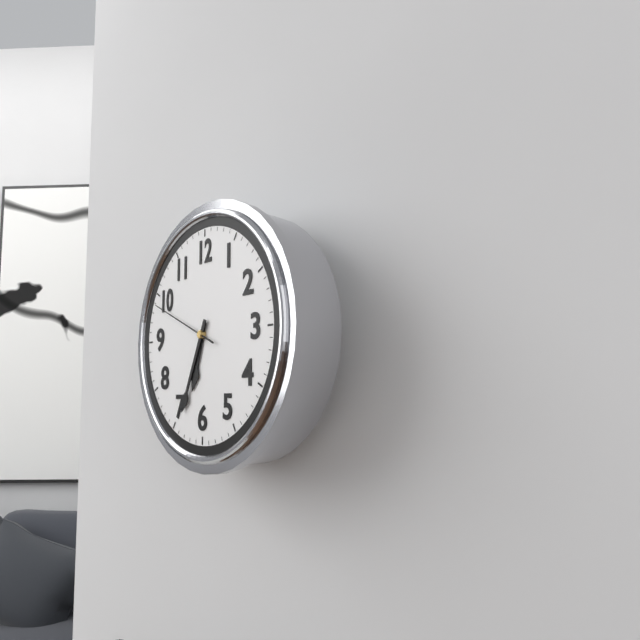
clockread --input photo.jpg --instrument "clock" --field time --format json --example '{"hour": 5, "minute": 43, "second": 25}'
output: {"hour": 6, "minute": 34, "second": 49}
